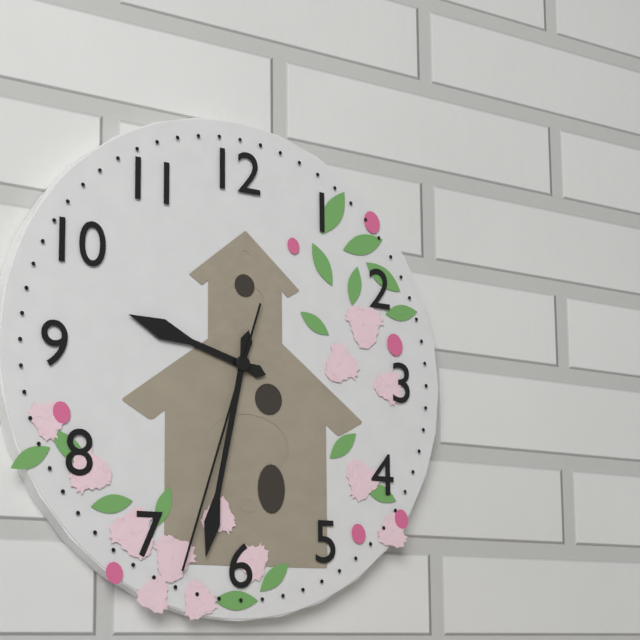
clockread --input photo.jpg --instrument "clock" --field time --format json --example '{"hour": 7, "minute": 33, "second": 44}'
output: {"hour": 9, "minute": 32, "second": 33}
